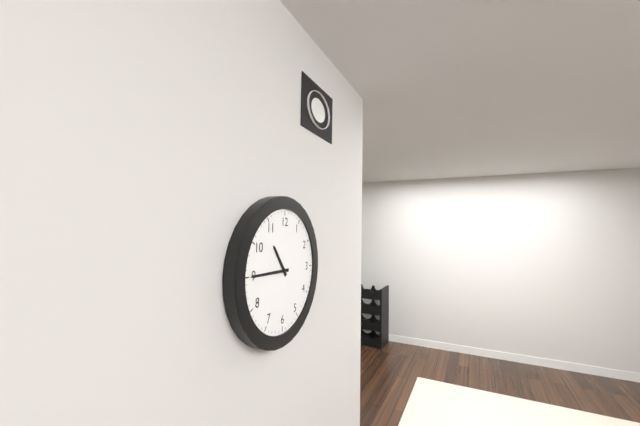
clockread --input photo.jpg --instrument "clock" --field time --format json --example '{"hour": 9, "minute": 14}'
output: {"hour": 10, "minute": 45}
